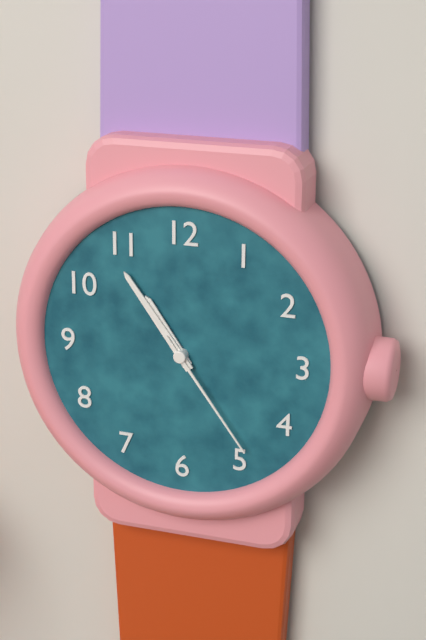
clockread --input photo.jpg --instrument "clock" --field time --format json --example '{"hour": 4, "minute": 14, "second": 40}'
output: {"hour": 10, "minute": 54, "second": 24}
